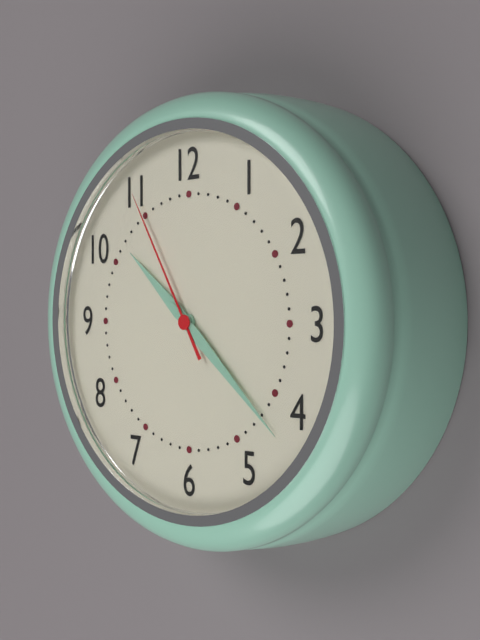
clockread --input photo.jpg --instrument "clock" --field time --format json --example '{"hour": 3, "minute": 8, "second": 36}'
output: {"hour": 10, "minute": 22, "second": 55}
